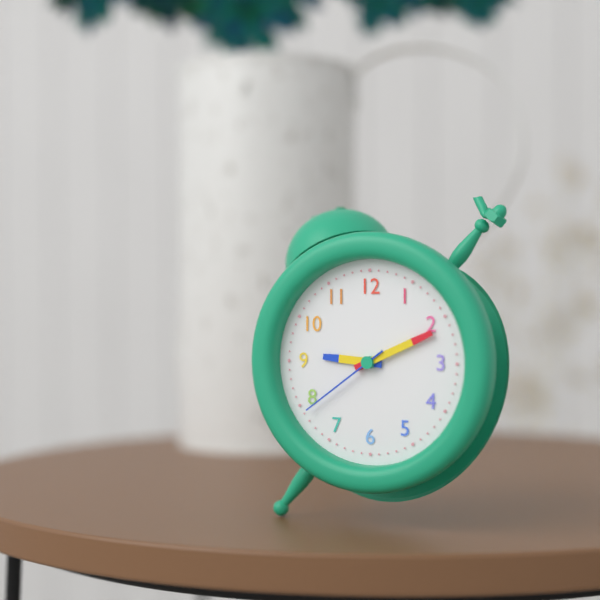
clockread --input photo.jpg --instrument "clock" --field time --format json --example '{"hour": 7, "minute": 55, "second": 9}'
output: {"hour": 9, "minute": 11, "second": 39}
